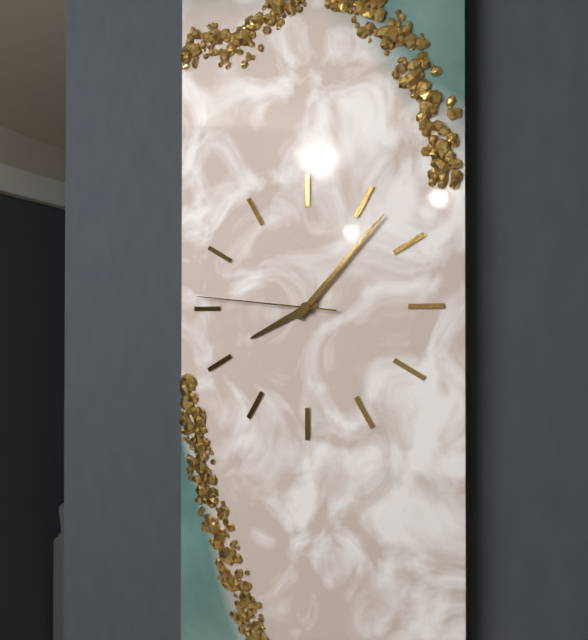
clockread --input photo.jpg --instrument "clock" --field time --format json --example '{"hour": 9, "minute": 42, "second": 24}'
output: {"hour": 8, "minute": 7, "second": 46}
